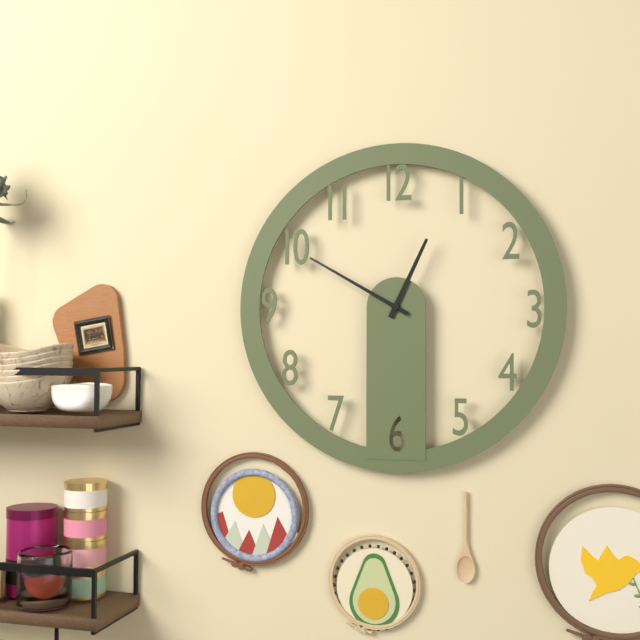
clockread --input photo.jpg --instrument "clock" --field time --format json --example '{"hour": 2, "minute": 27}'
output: {"hour": 12, "minute": 50}
